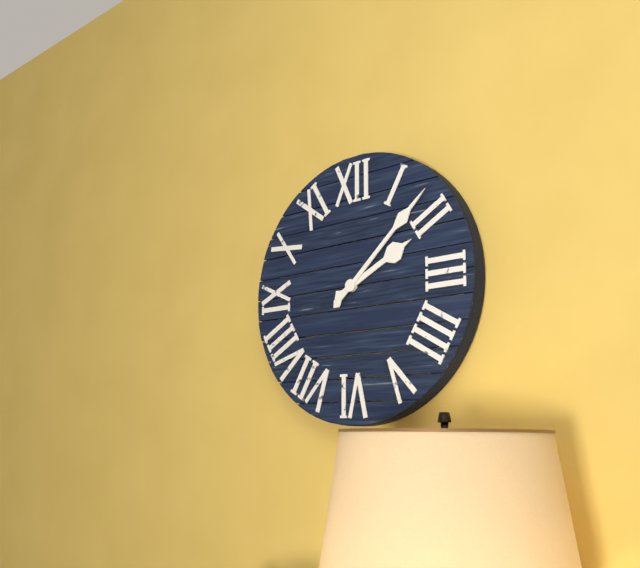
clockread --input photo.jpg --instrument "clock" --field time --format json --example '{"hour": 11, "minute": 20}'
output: {"hour": 2, "minute": 8}
